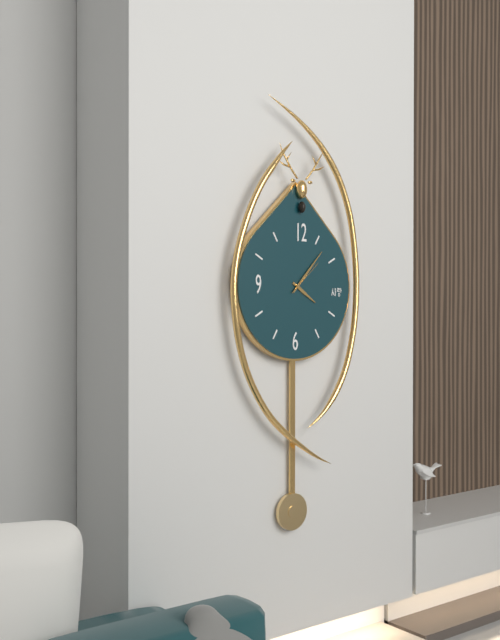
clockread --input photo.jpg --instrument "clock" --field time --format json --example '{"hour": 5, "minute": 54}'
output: {"hour": 4, "minute": 7}
